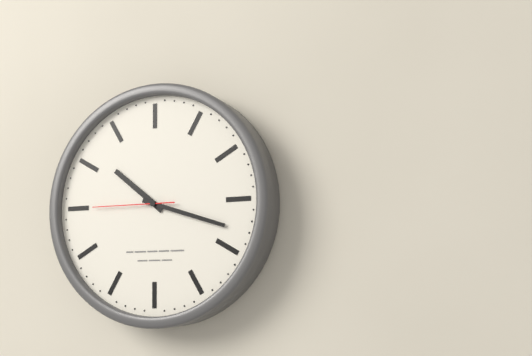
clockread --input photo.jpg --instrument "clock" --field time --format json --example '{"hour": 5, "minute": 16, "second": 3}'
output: {"hour": 10, "minute": 18, "second": 45}
